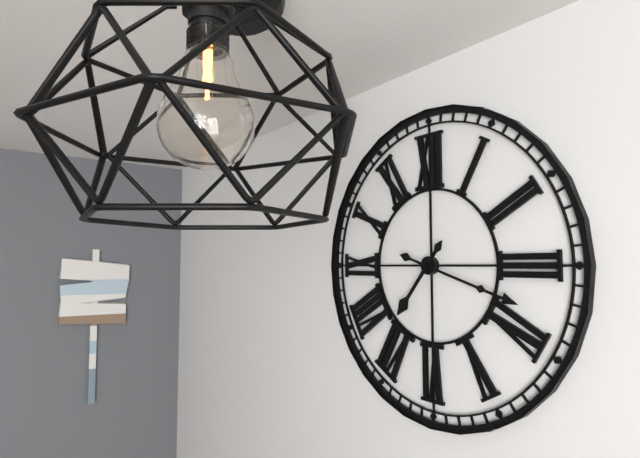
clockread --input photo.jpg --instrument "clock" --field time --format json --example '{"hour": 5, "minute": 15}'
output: {"hour": 7, "minute": 18}
